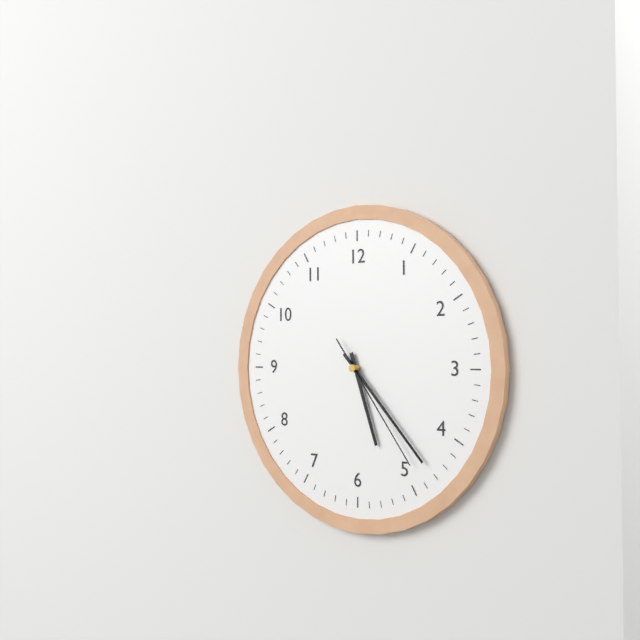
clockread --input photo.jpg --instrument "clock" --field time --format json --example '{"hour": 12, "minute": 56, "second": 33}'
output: {"hour": 5, "minute": 23, "second": 24}
